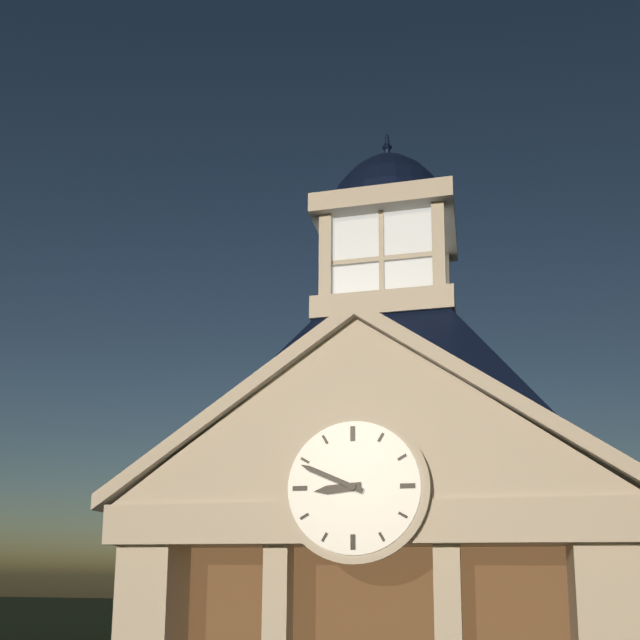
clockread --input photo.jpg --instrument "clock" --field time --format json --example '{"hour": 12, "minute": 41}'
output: {"hour": 8, "minute": 49}
